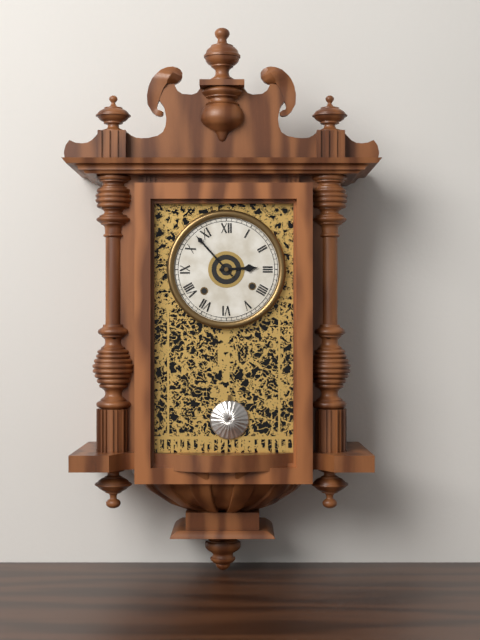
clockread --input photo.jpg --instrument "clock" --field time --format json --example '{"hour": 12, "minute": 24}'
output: {"hour": 2, "minute": 53}
